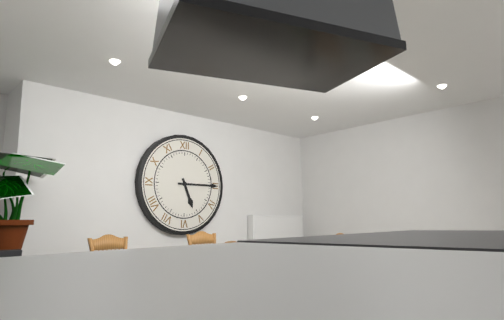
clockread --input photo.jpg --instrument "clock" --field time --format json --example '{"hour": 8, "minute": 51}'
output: {"hour": 5, "minute": 15}
